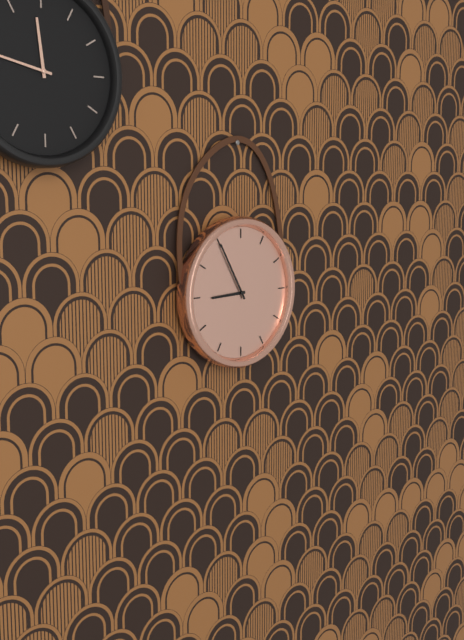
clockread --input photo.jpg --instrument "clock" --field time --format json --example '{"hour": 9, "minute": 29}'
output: {"hour": 8, "minute": 55}
